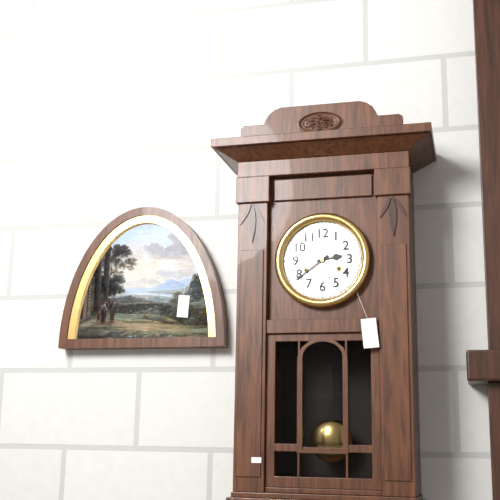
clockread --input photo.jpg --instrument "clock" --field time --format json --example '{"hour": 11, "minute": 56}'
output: {"hour": 2, "minute": 39}
